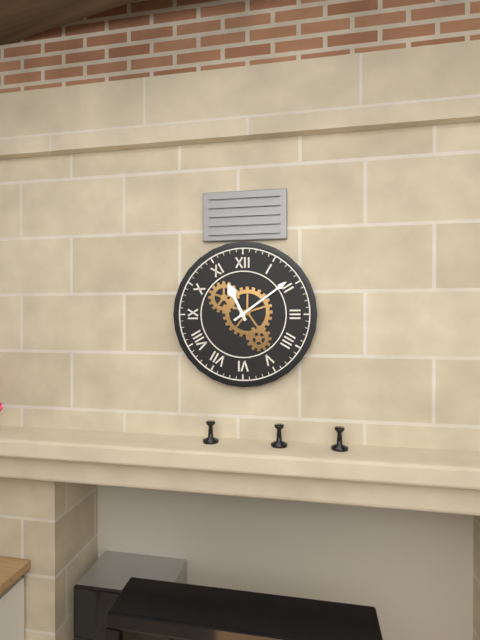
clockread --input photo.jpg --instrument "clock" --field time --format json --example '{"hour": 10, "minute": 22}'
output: {"hour": 11, "minute": 9}
